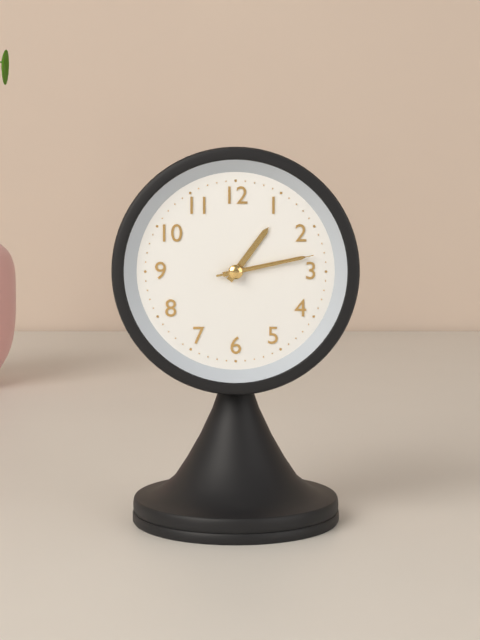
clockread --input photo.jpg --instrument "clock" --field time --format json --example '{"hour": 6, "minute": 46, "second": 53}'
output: {"hour": 1, "minute": 13, "second": 13}
